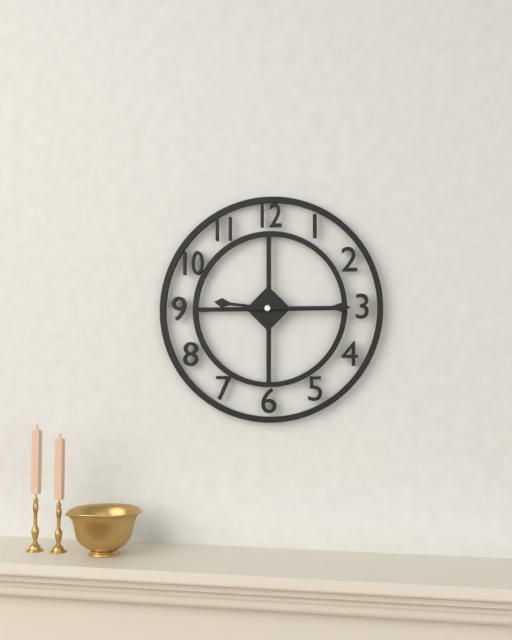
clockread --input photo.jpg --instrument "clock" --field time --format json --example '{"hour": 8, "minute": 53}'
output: {"hour": 9, "minute": 15}
